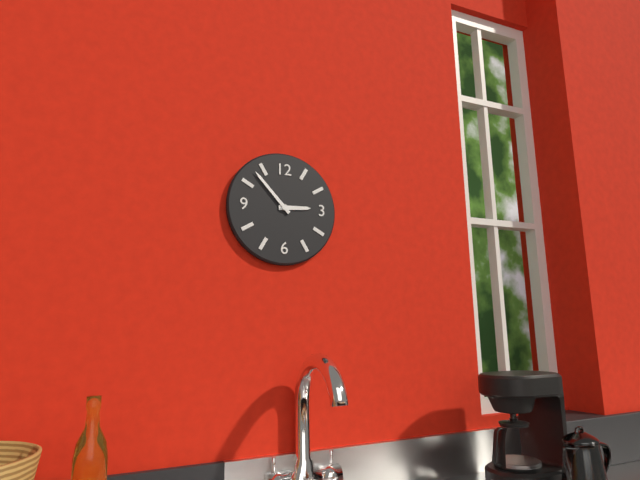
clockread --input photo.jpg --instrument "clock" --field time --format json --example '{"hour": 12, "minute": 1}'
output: {"hour": 2, "minute": 53}
